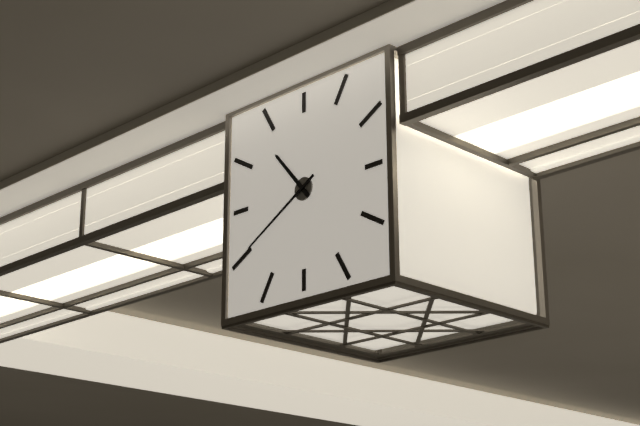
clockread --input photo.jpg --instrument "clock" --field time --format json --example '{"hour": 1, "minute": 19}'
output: {"hour": 10, "minute": 40}
